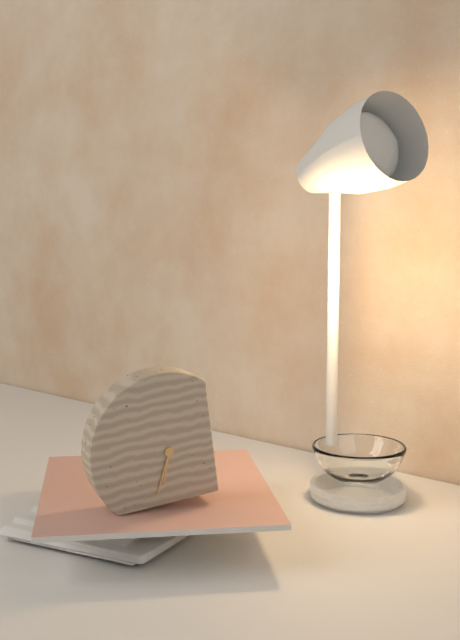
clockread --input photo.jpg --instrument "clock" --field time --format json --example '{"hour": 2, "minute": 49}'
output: {"hour": 6, "minute": 34}
